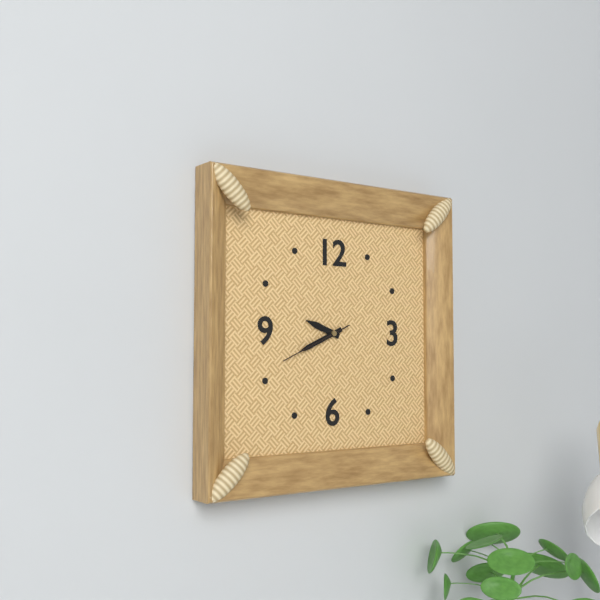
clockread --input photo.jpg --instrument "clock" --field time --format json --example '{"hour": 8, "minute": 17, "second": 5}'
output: {"hour": 9, "minute": 41, "second": 41}
